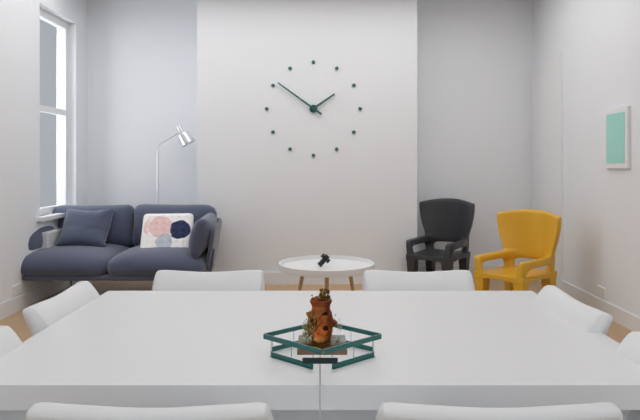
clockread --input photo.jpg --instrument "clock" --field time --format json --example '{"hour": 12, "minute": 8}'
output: {"hour": 1, "minute": 51}
